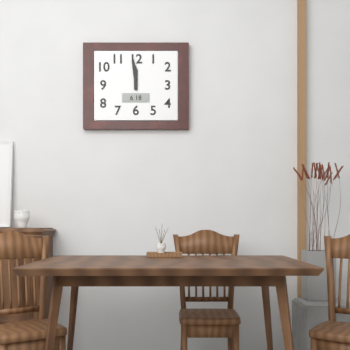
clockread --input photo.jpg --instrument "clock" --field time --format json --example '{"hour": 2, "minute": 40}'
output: {"hour": 11, "minute": 59}
